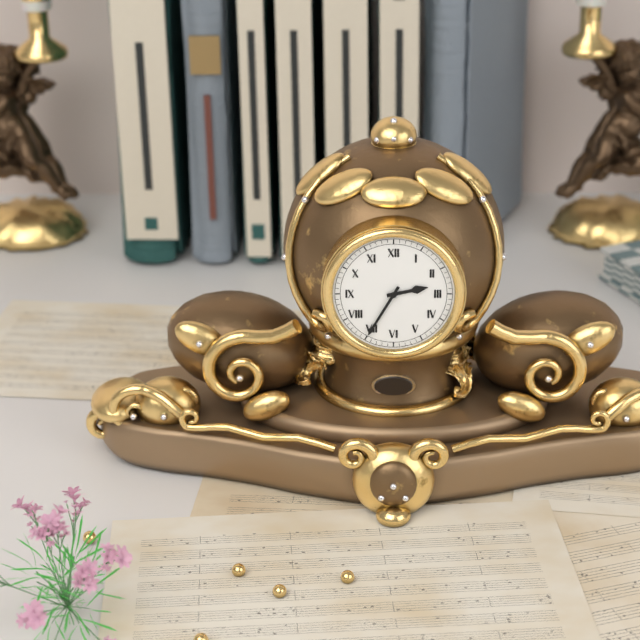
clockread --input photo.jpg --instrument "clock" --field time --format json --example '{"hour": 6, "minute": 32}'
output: {"hour": 2, "minute": 35}
